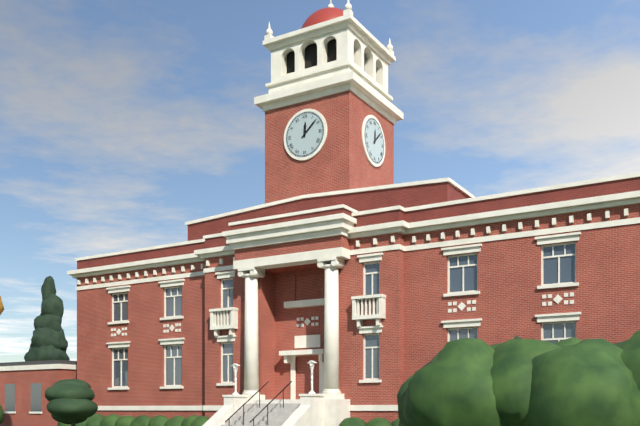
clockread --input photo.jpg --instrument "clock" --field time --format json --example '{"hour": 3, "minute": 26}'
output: {"hour": 12, "minute": 8}
